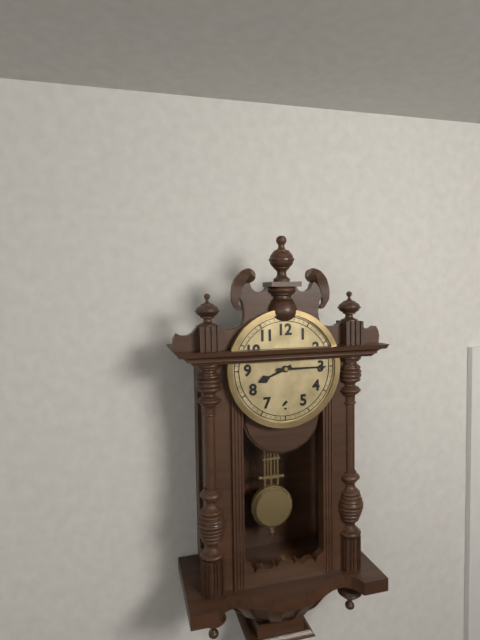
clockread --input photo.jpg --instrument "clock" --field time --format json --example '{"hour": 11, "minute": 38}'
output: {"hour": 8, "minute": 15}
